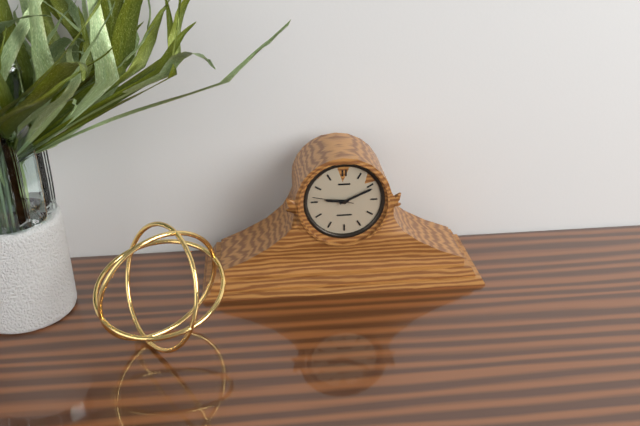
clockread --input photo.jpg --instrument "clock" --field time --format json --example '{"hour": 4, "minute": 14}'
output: {"hour": 9, "minute": 11}
